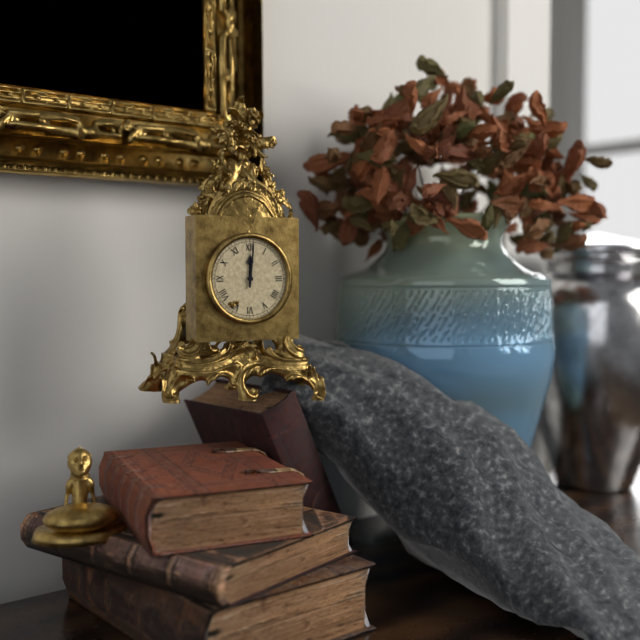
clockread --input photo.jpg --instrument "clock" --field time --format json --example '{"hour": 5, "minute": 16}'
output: {"hour": 12, "minute": 1}
